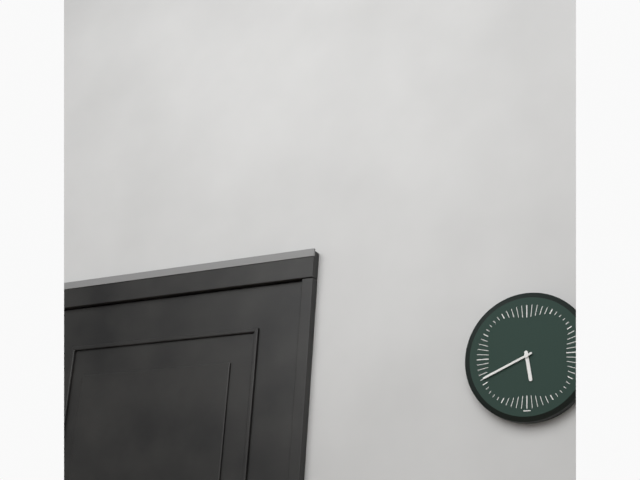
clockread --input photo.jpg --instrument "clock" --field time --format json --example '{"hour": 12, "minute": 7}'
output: {"hour": 5, "minute": 41}
